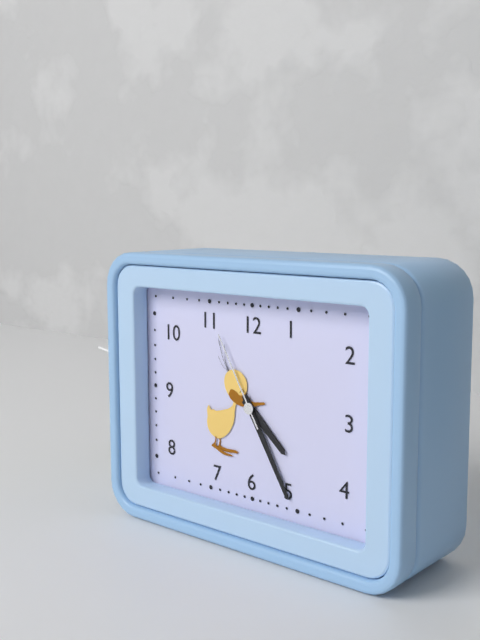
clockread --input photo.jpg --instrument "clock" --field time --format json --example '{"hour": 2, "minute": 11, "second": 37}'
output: {"hour": 4, "minute": 25, "second": 55}
